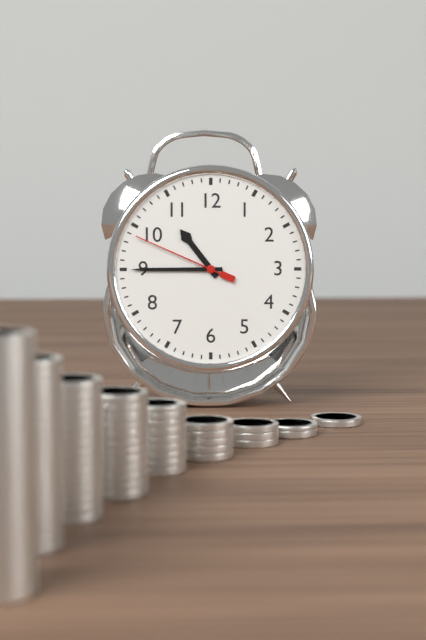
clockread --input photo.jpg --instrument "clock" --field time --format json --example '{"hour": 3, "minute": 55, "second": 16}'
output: {"hour": 10, "minute": 45, "second": 49}
